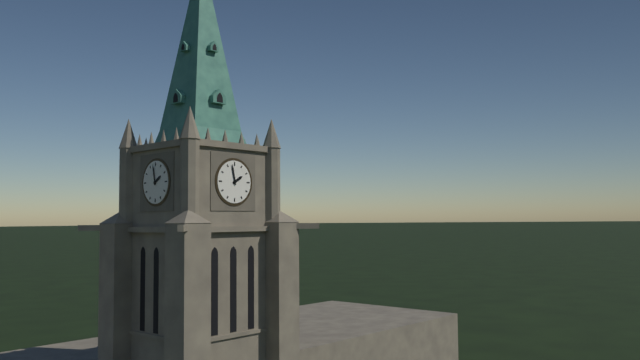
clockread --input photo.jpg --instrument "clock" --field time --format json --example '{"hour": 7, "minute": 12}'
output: {"hour": 1, "minute": 58}
